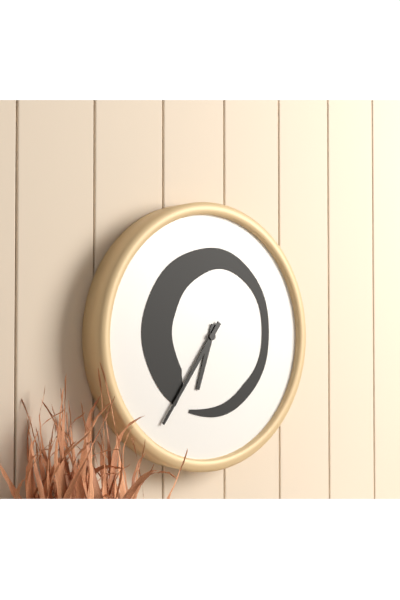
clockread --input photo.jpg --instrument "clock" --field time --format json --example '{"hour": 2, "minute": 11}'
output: {"hour": 6, "minute": 36}
